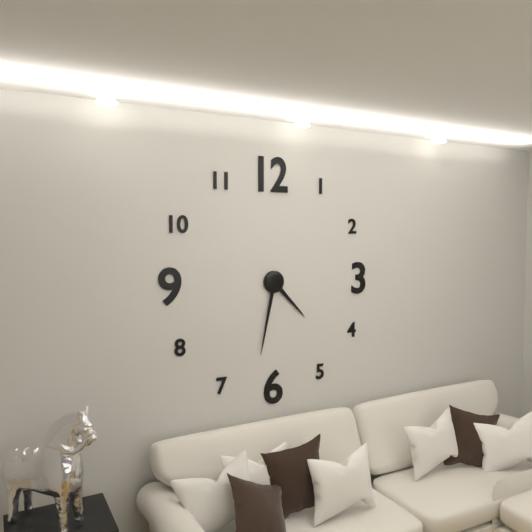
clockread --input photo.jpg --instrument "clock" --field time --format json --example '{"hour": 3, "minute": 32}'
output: {"hour": 4, "minute": 32}
